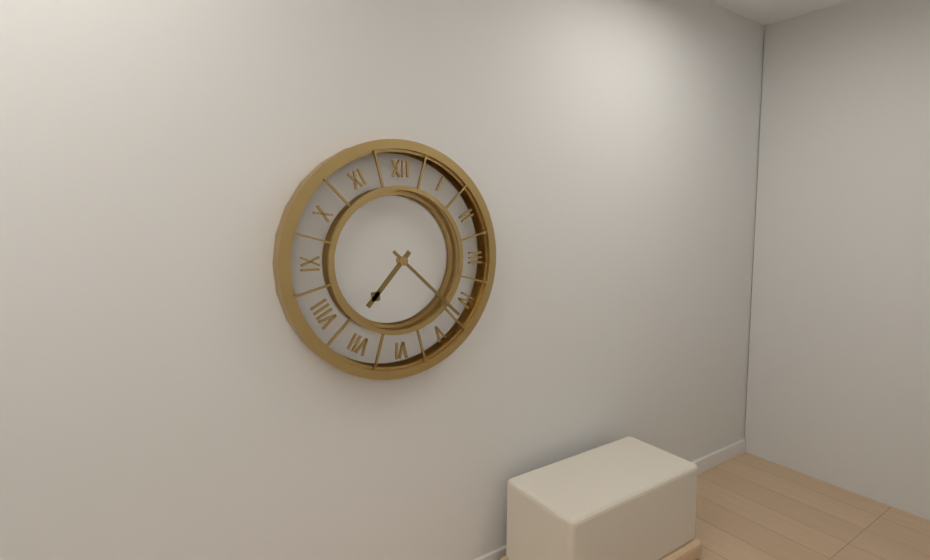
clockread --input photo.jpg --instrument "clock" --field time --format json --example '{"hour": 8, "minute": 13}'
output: {"hour": 7, "minute": 22}
